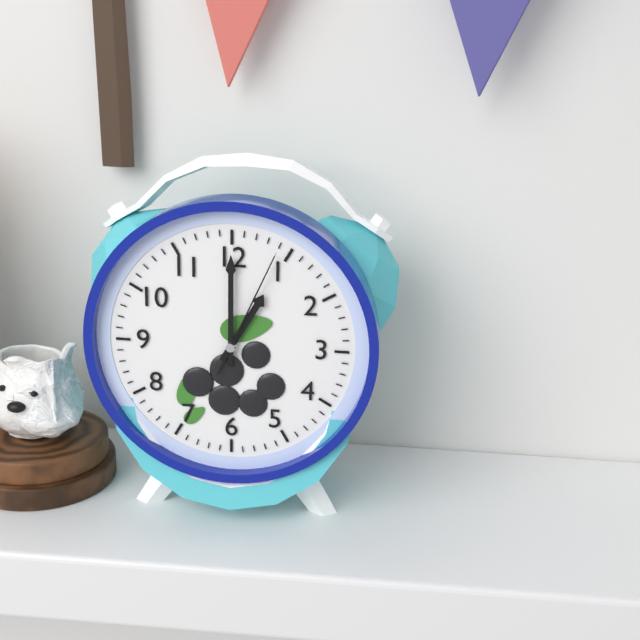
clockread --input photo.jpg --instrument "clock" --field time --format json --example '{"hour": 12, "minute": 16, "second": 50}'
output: {"hour": 1, "minute": 0, "second": 4}
